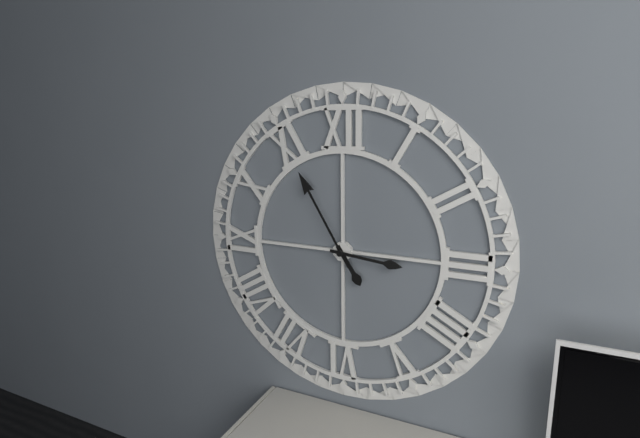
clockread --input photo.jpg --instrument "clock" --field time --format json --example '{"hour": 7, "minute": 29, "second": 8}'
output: {"hour": 4, "minute": 55, "second": 16}
